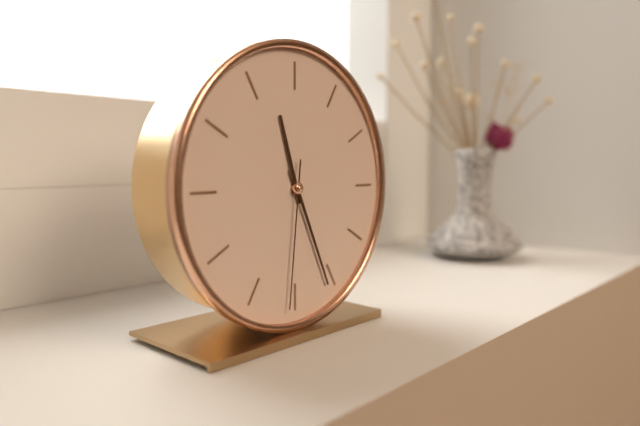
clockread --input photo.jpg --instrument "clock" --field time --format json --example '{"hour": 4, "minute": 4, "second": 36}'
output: {"hour": 11, "minute": 26, "second": 31}
